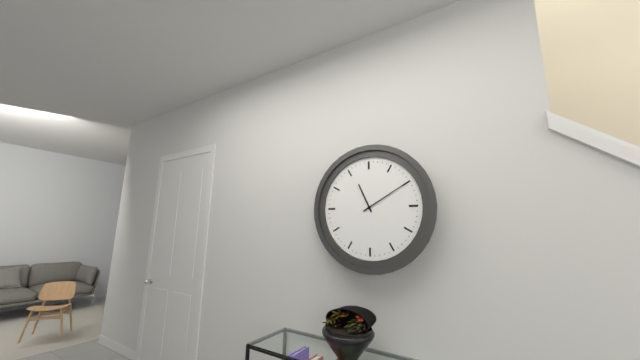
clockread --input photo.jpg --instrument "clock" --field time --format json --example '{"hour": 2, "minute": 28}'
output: {"hour": 11, "minute": 10}
